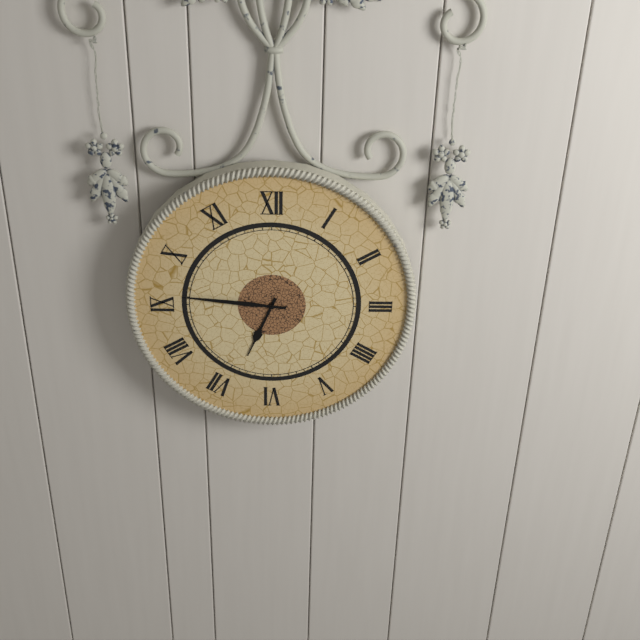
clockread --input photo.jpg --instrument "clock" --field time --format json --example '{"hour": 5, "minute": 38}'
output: {"hour": 6, "minute": 46}
